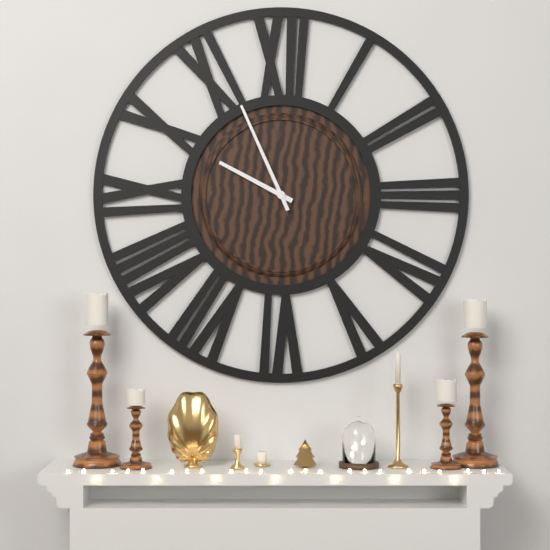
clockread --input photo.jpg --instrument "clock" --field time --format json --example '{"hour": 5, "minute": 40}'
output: {"hour": 9, "minute": 56}
